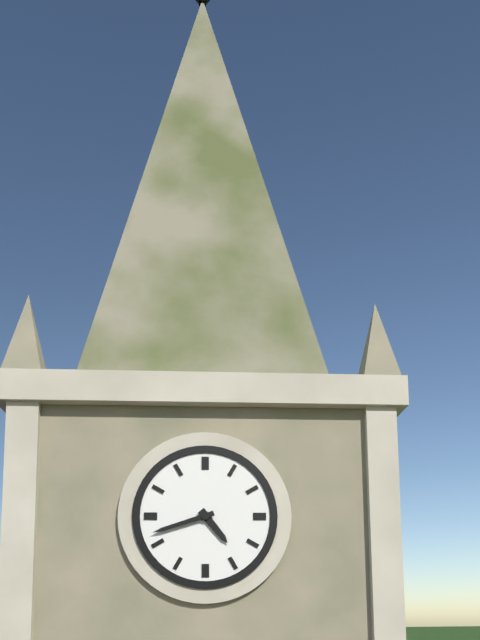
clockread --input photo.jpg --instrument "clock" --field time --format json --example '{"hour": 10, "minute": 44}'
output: {"hour": 4, "minute": 42}
